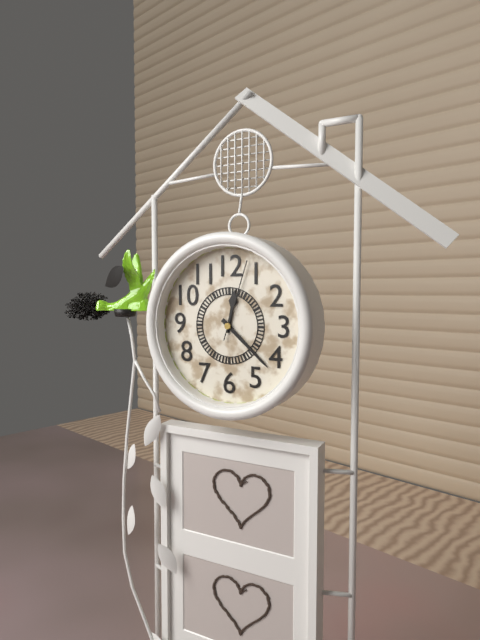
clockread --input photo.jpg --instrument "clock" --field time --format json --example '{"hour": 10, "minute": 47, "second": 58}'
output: {"hour": 12, "minute": 22, "second": 3}
